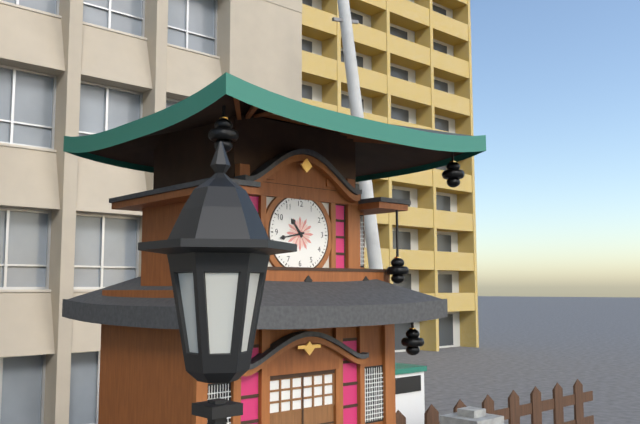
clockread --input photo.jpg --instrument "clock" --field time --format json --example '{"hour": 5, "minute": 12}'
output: {"hour": 10, "minute": 43}
